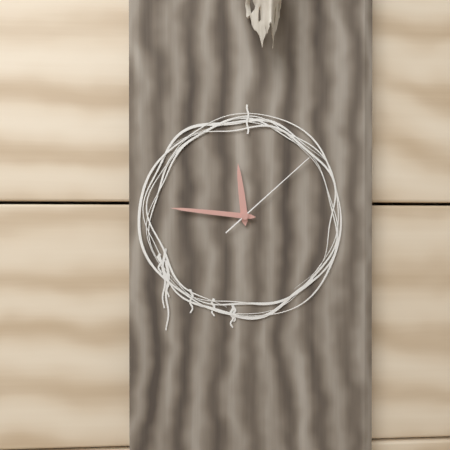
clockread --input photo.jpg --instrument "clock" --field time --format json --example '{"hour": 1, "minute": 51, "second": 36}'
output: {"hour": 11, "minute": 46, "second": 8}
